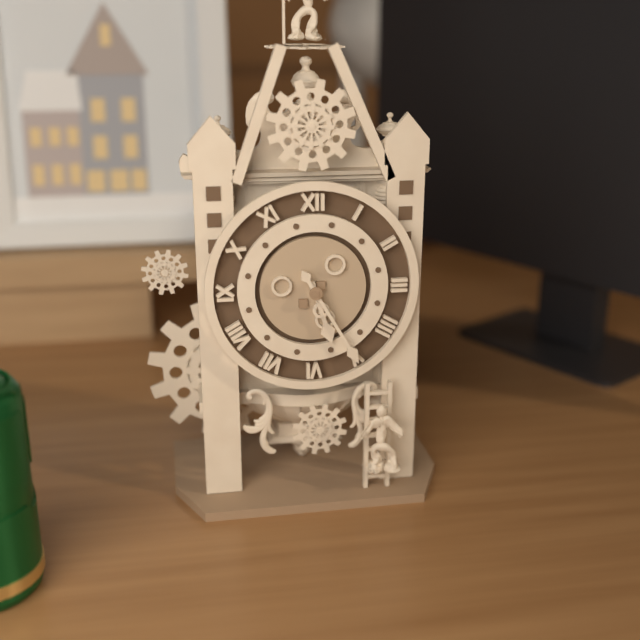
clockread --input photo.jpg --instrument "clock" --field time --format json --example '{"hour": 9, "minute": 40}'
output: {"hour": 5, "minute": 25}
